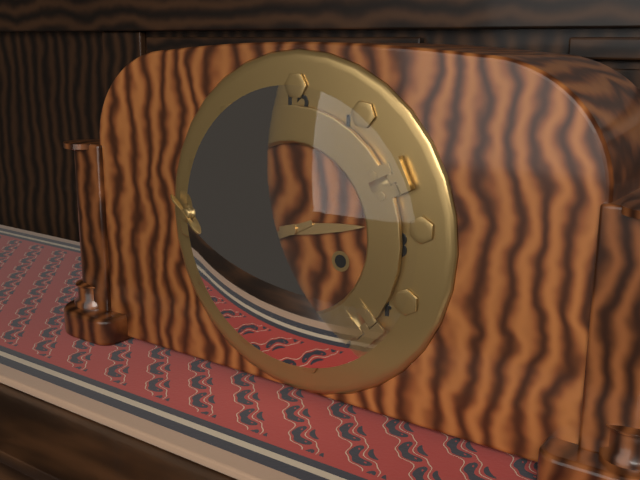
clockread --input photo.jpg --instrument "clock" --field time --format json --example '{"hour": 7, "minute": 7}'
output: {"hour": 2, "minute": 41}
